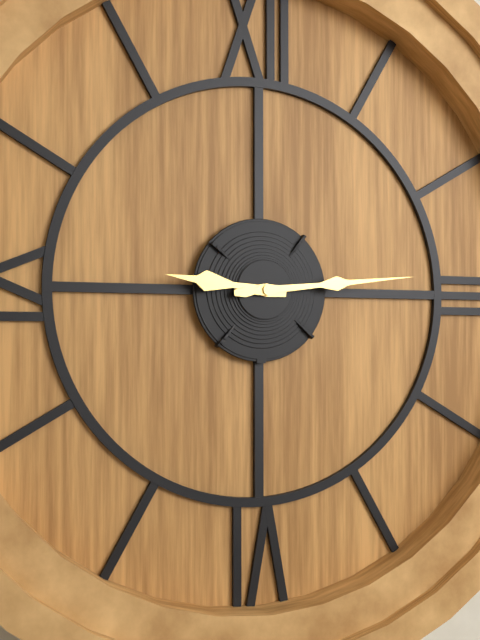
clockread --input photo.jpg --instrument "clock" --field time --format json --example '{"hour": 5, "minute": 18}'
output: {"hour": 9, "minute": 14}
